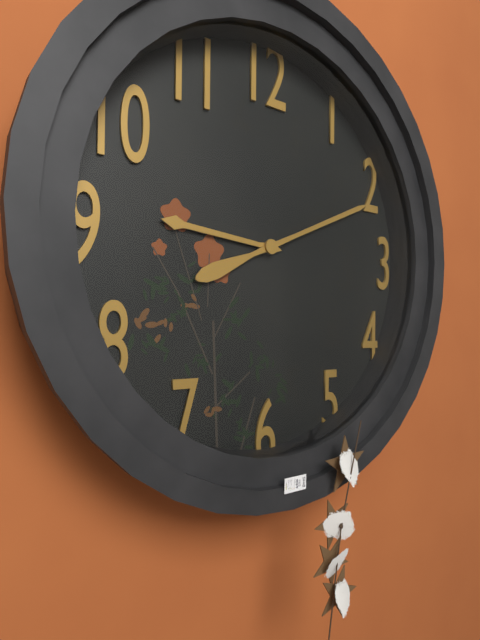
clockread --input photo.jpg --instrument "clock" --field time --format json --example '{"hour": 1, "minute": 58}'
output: {"hour": 9, "minute": 11}
